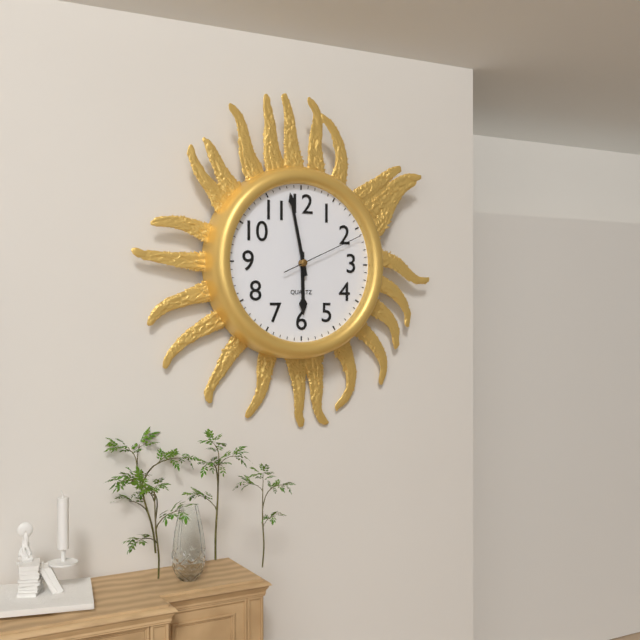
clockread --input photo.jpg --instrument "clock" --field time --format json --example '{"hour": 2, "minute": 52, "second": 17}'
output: {"hour": 5, "minute": 58, "second": 11}
